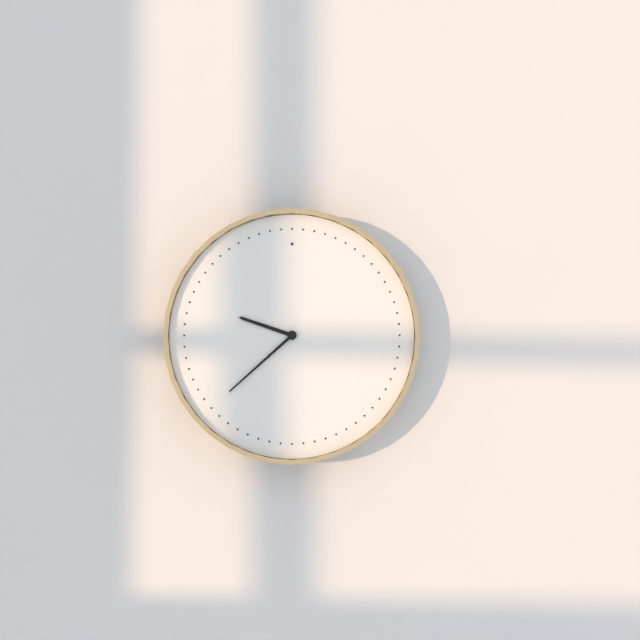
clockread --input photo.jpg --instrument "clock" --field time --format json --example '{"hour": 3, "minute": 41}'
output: {"hour": 9, "minute": 38}
